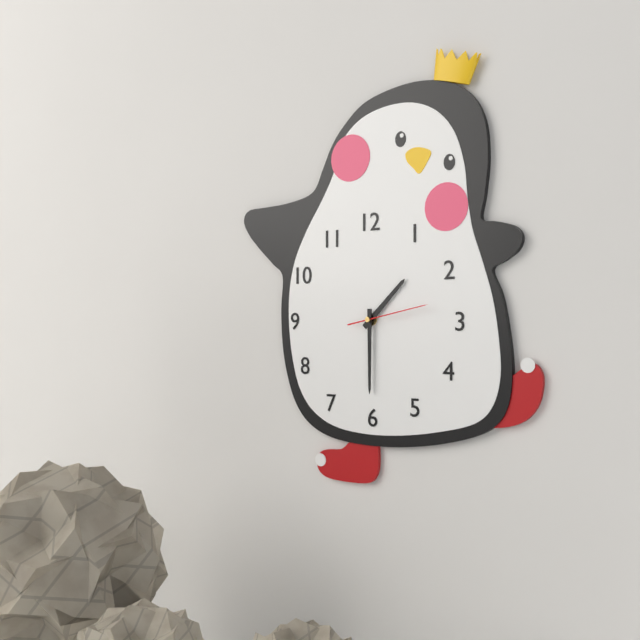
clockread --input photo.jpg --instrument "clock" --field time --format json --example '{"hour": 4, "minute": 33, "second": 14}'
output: {"hour": 1, "minute": 30, "second": 13}
